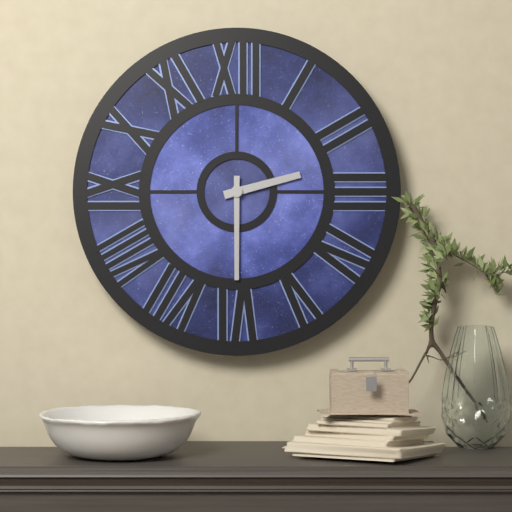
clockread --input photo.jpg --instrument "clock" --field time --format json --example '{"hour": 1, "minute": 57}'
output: {"hour": 2, "minute": 30}
